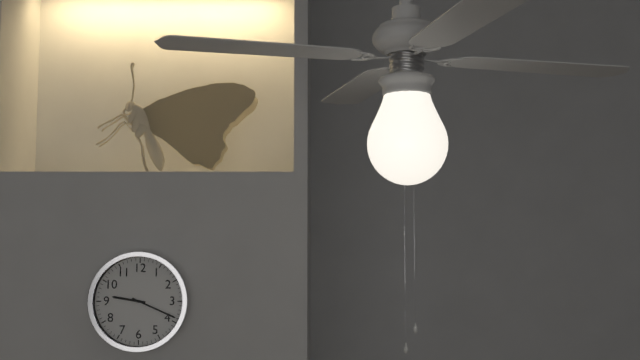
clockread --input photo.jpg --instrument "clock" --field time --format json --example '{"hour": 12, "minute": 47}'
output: {"hour": 9, "minute": 19}
